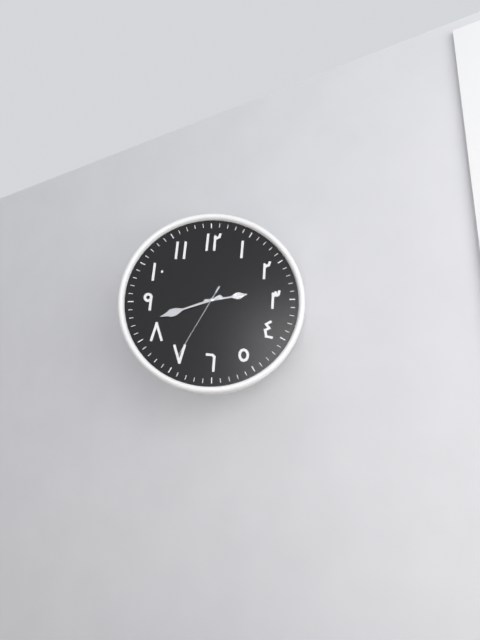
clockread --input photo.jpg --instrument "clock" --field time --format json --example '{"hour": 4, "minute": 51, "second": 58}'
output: {"hour": 2, "minute": 42, "second": 35}
